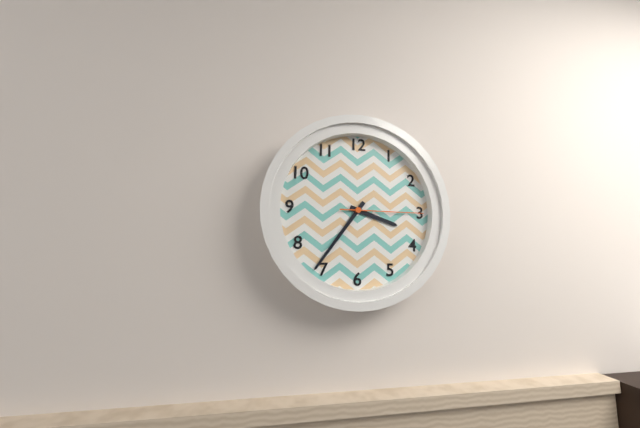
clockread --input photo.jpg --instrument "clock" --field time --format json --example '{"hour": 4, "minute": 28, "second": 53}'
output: {"hour": 3, "minute": 36, "second": 15}
